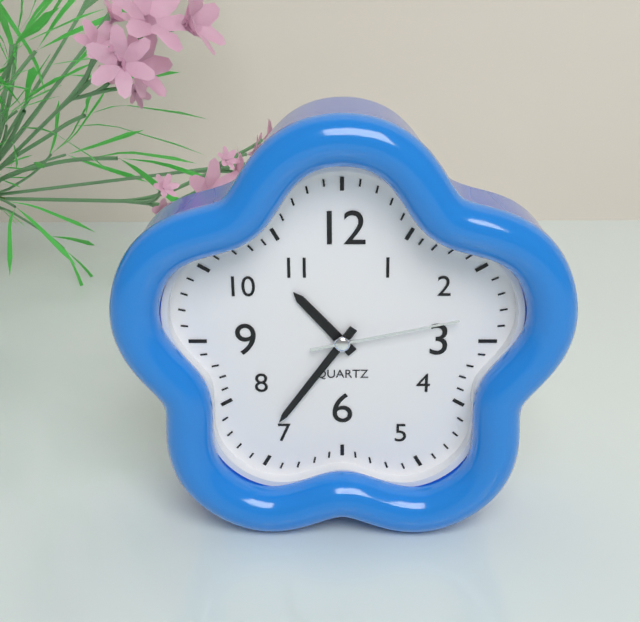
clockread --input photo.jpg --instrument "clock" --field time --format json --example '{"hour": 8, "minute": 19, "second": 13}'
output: {"hour": 10, "minute": 36, "second": 13}
